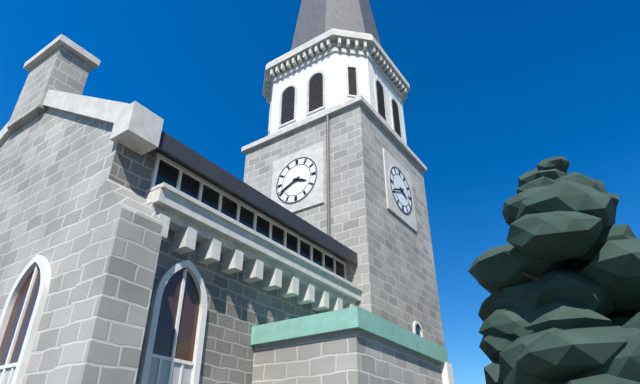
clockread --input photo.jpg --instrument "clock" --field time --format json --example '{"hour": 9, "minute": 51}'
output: {"hour": 3, "minute": 41}
